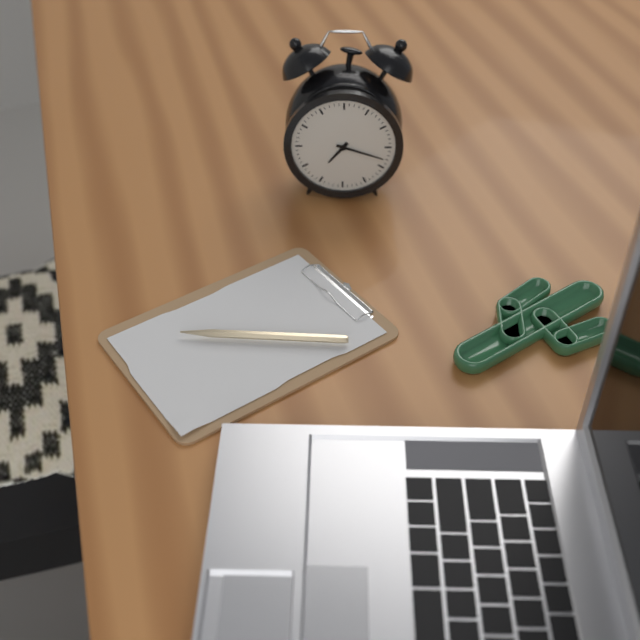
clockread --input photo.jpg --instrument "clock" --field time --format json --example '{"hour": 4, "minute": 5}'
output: {"hour": 7, "minute": 18}
